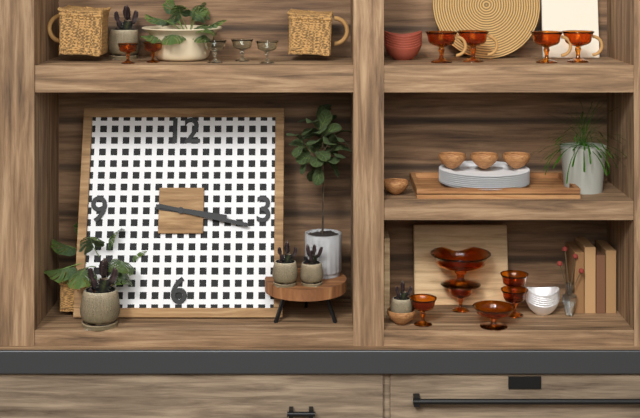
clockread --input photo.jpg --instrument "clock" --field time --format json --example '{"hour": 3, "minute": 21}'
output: {"hour": 3, "minute": 17}
